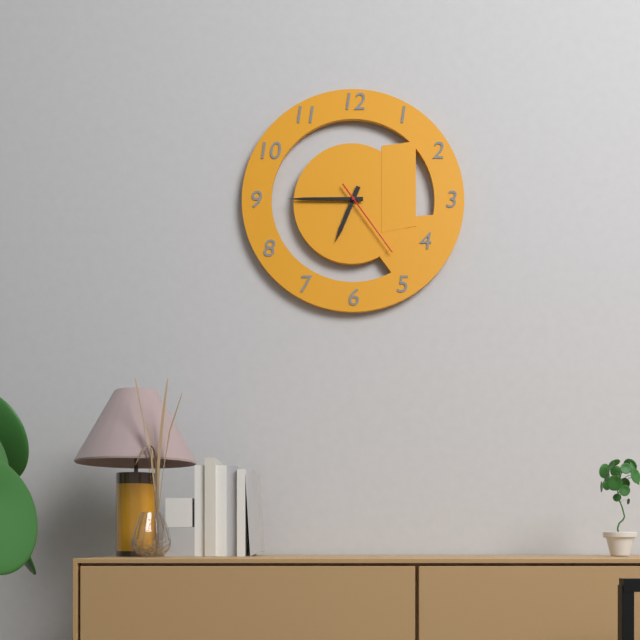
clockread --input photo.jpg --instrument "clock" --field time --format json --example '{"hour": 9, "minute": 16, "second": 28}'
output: {"hour": 6, "minute": 45, "second": 24}
